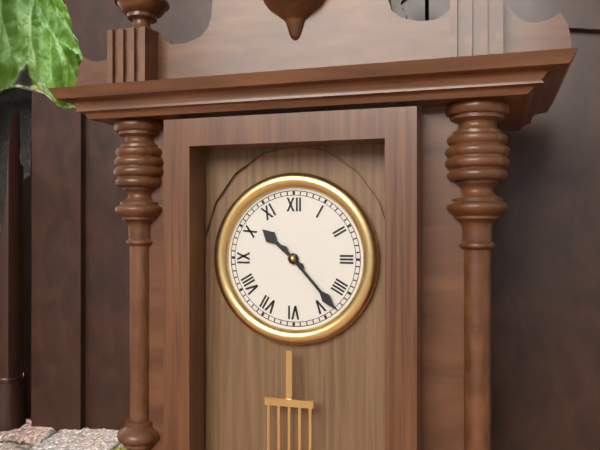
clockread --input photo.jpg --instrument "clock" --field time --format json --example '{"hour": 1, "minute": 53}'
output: {"hour": 10, "minute": 23}
